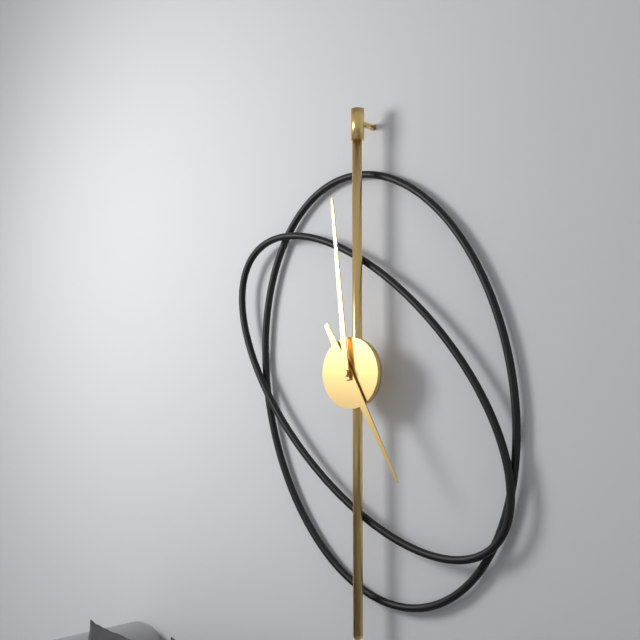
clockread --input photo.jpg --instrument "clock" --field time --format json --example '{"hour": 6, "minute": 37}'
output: {"hour": 4, "minute": 59}
